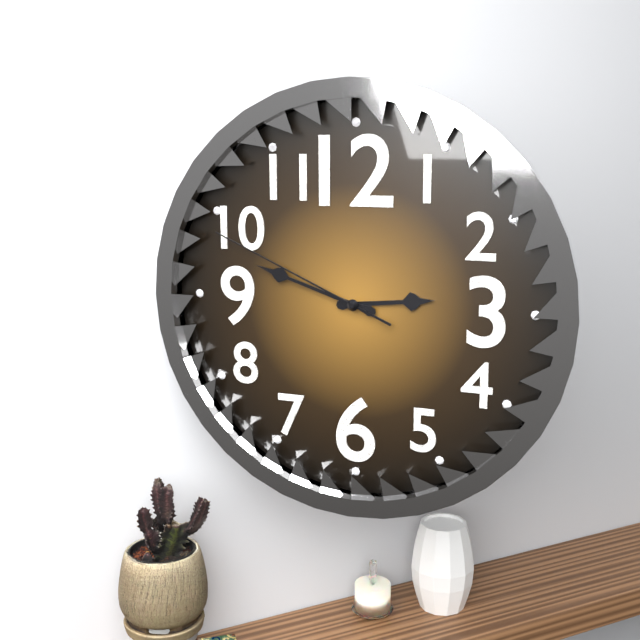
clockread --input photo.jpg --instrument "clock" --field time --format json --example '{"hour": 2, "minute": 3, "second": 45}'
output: {"hour": 2, "minute": 48, "second": 49}
